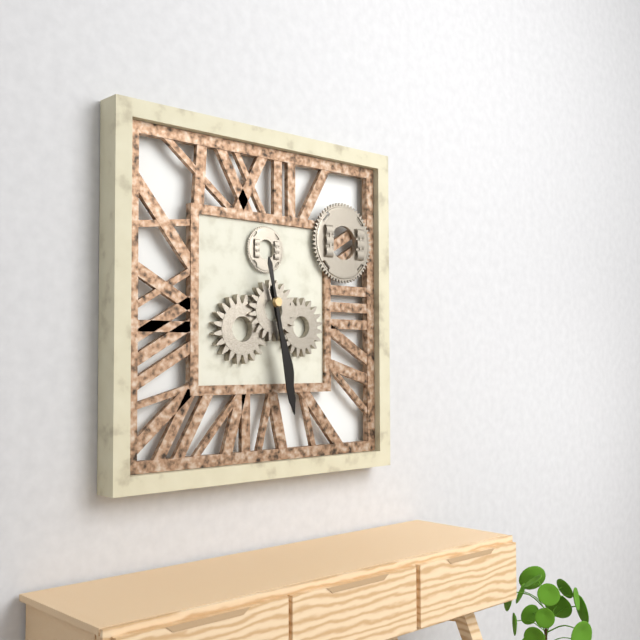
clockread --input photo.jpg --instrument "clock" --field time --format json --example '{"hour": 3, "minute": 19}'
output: {"hour": 5, "minute": 28}
